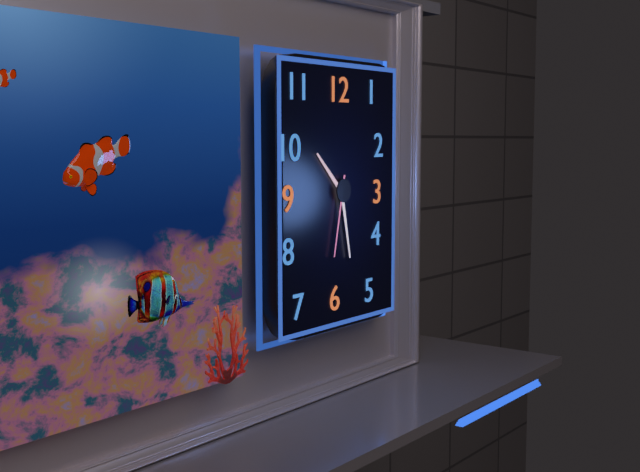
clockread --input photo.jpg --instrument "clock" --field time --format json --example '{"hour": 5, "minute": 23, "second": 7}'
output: {"hour": 10, "minute": 28, "second": 32}
